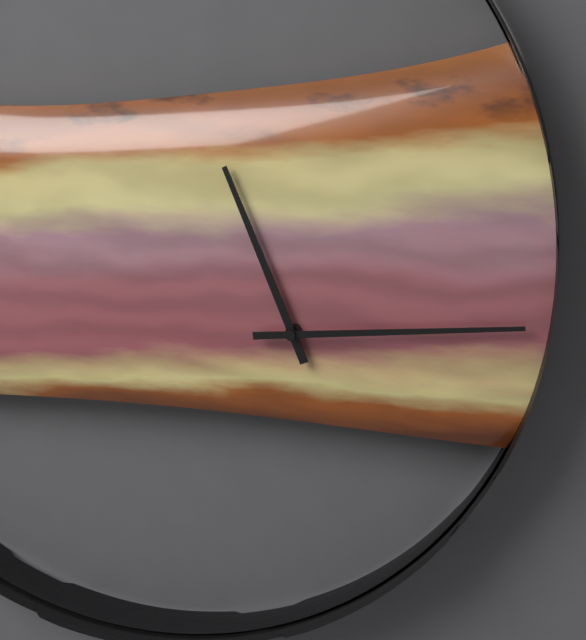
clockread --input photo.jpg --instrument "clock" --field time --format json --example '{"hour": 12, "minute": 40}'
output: {"hour": 11, "minute": 14}
